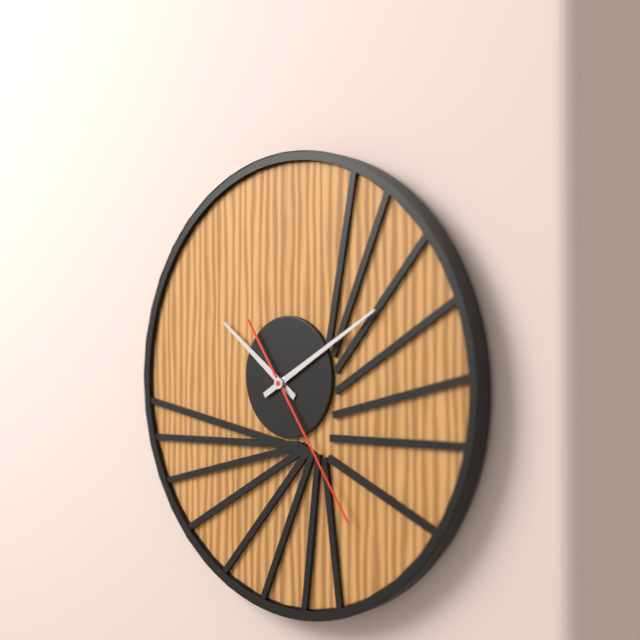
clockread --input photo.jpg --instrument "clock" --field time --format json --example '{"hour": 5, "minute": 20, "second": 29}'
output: {"hour": 10, "minute": 10, "second": 24}
